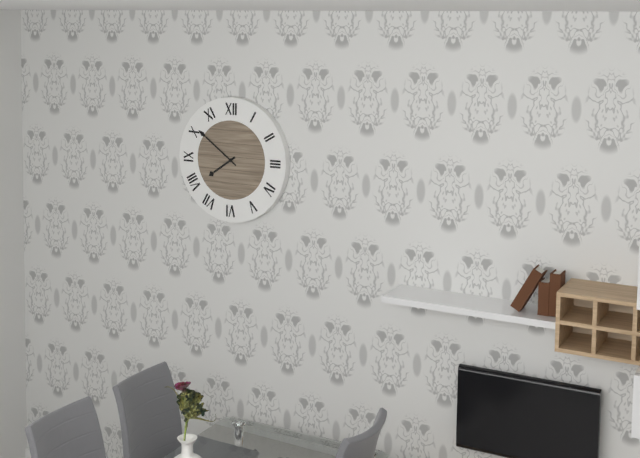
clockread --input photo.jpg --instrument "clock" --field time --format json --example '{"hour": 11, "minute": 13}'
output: {"hour": 7, "minute": 51}
